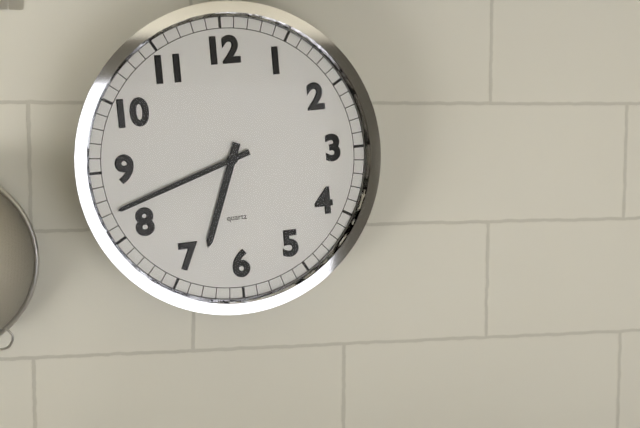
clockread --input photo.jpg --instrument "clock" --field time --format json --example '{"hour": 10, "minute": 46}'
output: {"hour": 6, "minute": 42}
